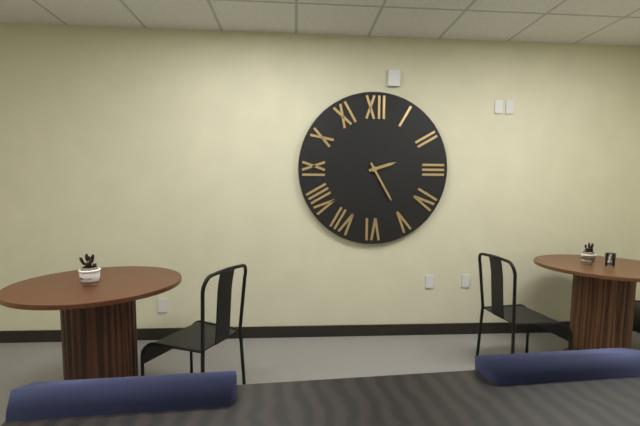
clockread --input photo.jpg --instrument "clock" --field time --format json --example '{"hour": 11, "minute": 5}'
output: {"hour": 2, "minute": 25}
